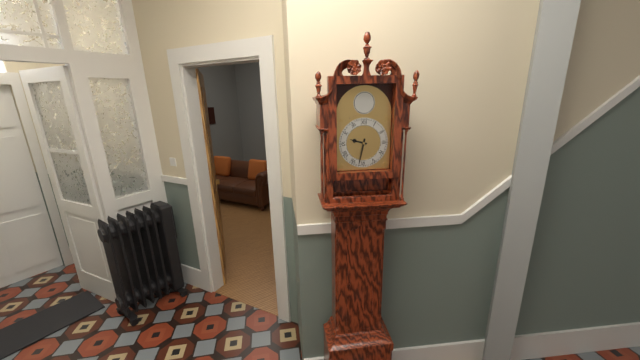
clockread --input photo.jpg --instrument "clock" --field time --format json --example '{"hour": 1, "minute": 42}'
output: {"hour": 9, "minute": 32}
